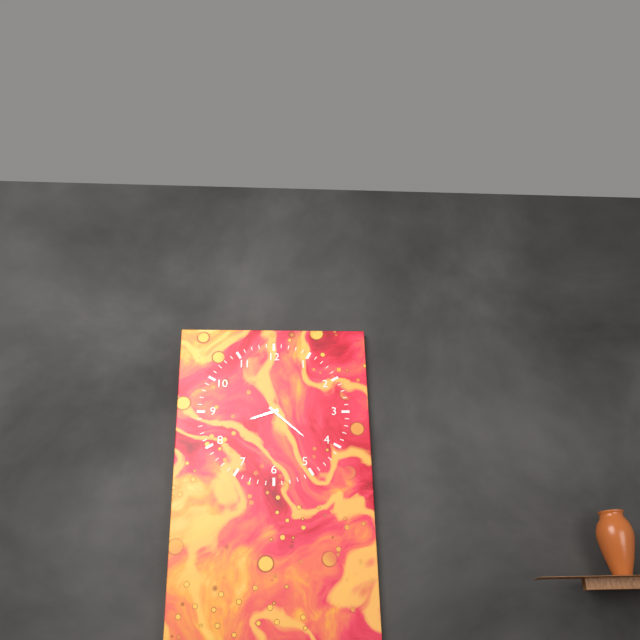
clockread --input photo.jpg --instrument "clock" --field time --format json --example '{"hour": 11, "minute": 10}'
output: {"hour": 8, "minute": 22}
